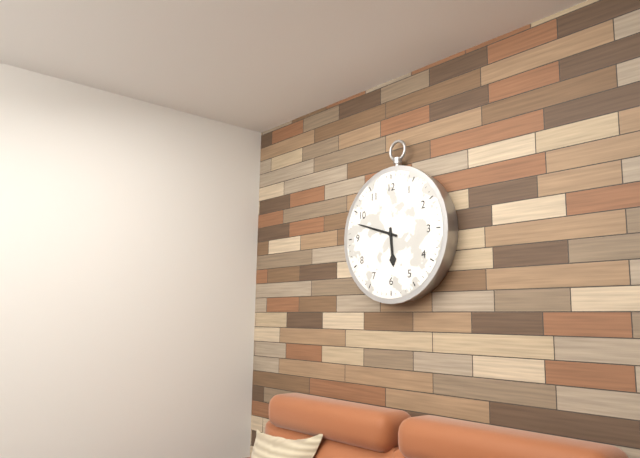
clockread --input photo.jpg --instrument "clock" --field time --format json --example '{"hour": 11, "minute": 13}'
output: {"hour": 5, "minute": 48}
